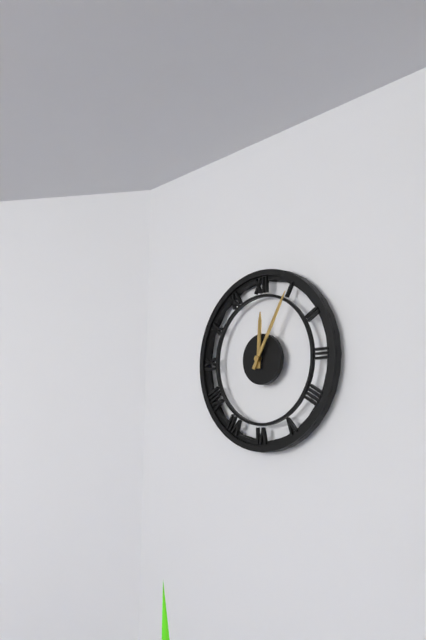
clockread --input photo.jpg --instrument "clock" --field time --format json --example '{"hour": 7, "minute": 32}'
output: {"hour": 12, "minute": 5}
